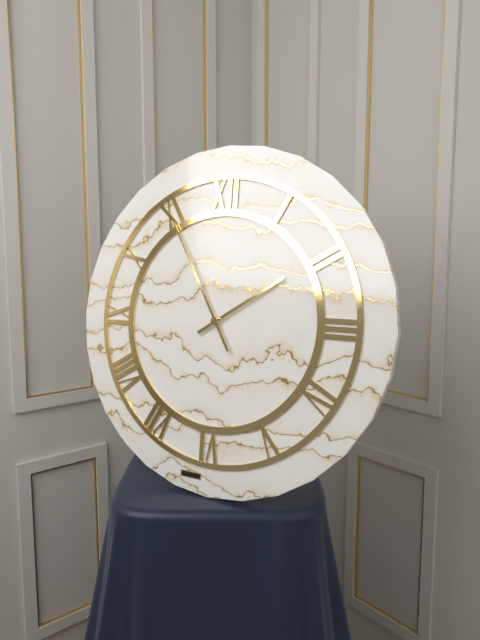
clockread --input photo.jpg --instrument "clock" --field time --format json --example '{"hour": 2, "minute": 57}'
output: {"hour": 1, "minute": 55}
